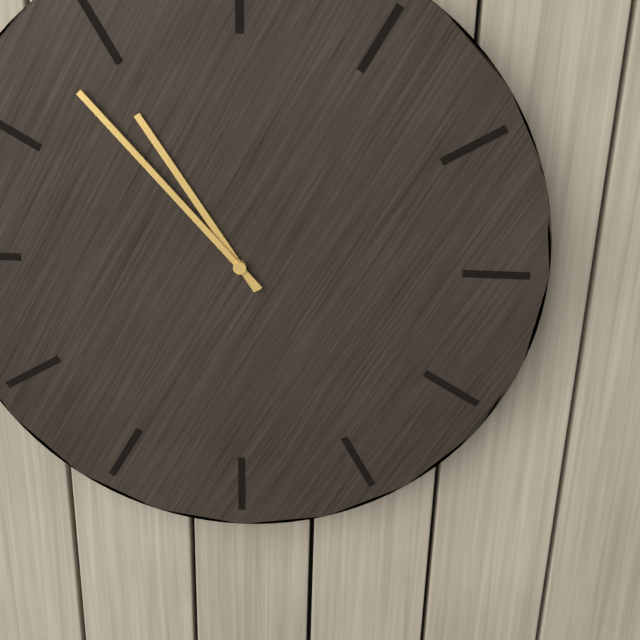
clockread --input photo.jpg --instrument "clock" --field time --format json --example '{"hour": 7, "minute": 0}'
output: {"hour": 10, "minute": 53}
